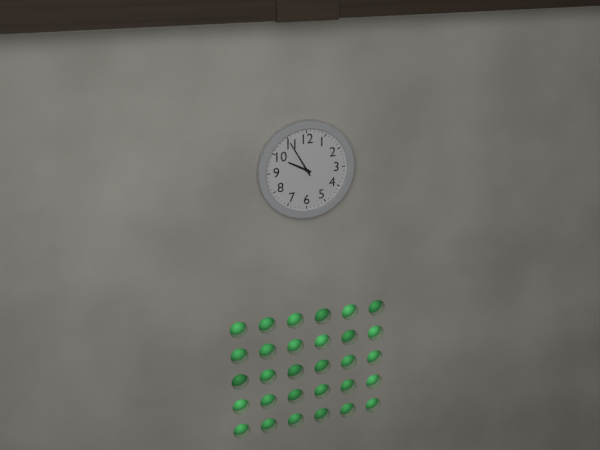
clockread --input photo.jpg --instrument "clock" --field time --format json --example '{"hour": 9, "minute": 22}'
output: {"hour": 9, "minute": 55}
